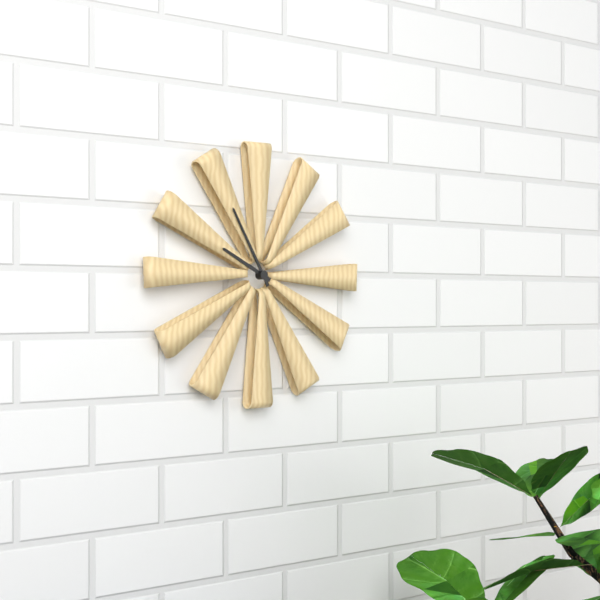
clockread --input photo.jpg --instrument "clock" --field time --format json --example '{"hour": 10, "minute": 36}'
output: {"hour": 9, "minute": 55}
